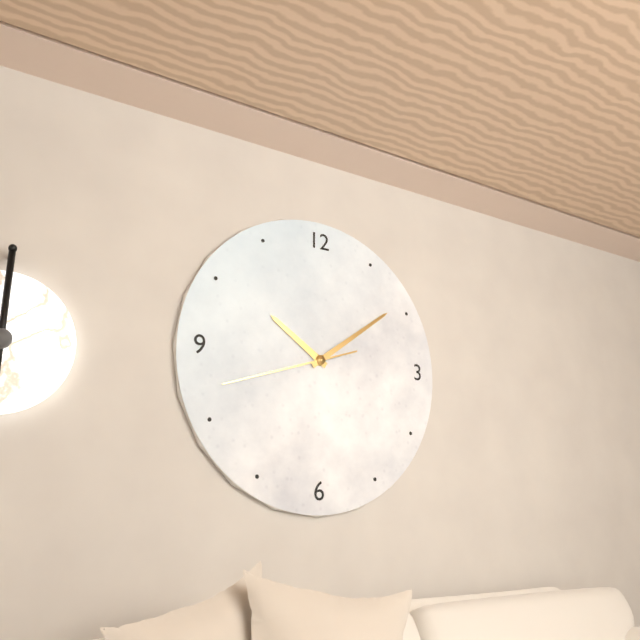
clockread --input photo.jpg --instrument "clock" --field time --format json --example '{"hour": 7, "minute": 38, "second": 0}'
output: {"hour": 10, "minute": 9, "second": 42}
